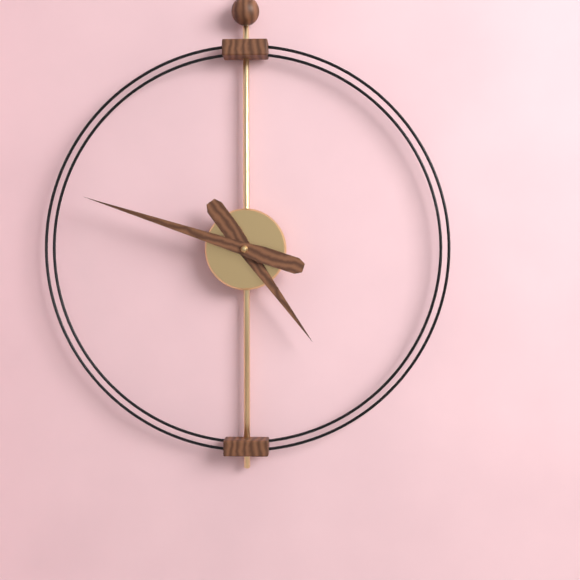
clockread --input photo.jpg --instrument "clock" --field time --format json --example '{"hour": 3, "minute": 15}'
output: {"hour": 4, "minute": 48}
